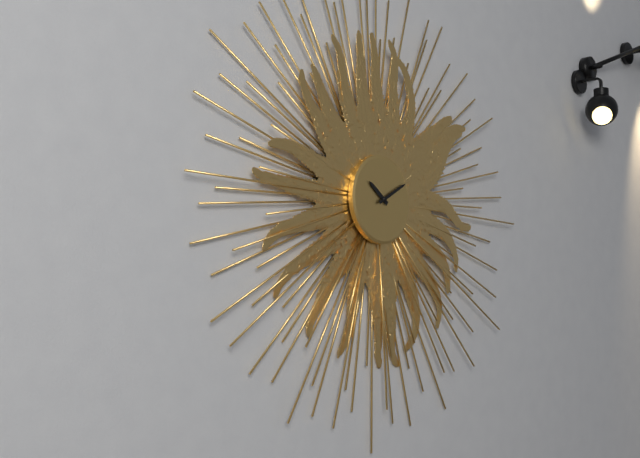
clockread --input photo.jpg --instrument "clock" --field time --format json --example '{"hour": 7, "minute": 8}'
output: {"hour": 10, "minute": 10}
